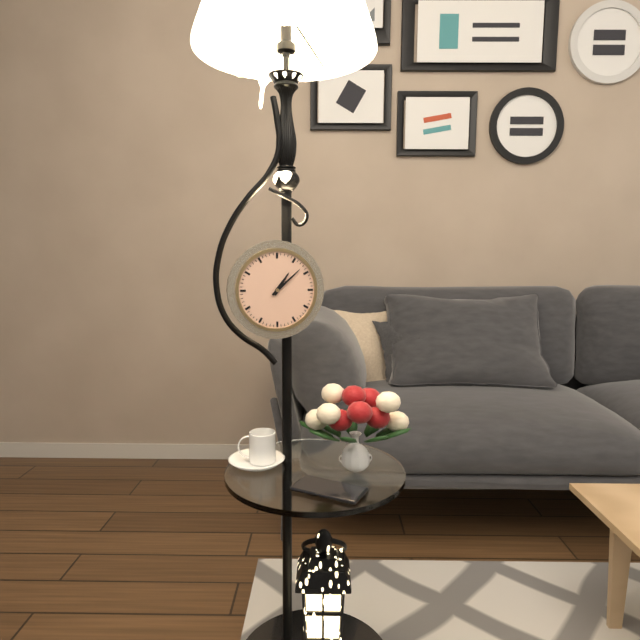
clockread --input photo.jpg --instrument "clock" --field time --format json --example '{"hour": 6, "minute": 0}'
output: {"hour": 1, "minute": 8}
